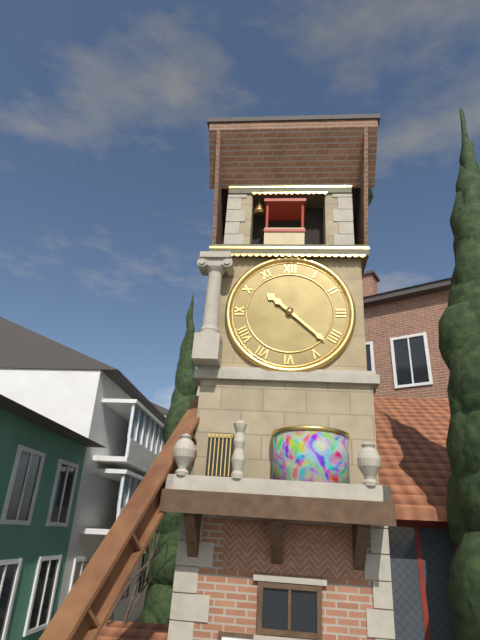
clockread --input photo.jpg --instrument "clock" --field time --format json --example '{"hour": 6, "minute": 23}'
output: {"hour": 10, "minute": 22}
